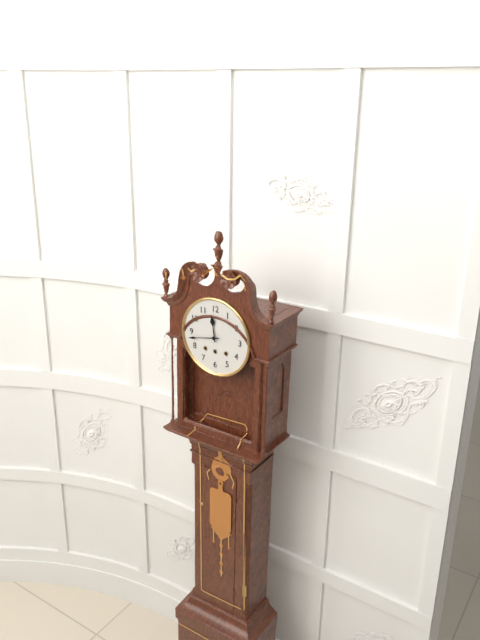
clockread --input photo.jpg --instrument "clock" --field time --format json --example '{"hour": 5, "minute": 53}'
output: {"hour": 11, "minute": 43}
